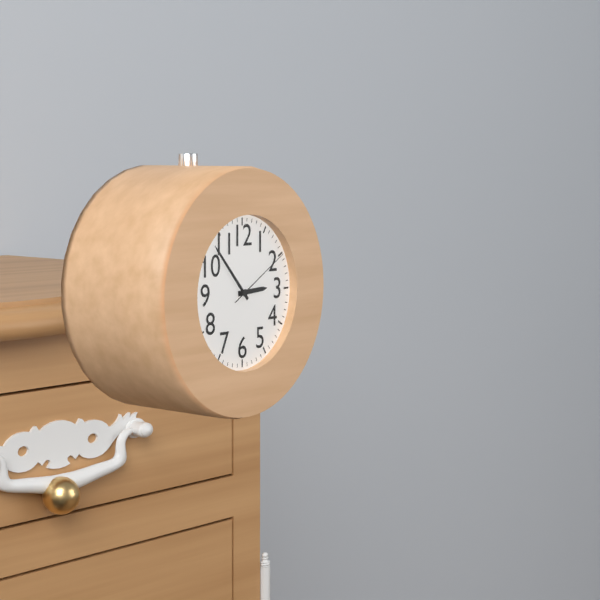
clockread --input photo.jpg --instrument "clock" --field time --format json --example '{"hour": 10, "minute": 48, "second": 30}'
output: {"hour": 2, "minute": 53, "second": 10}
